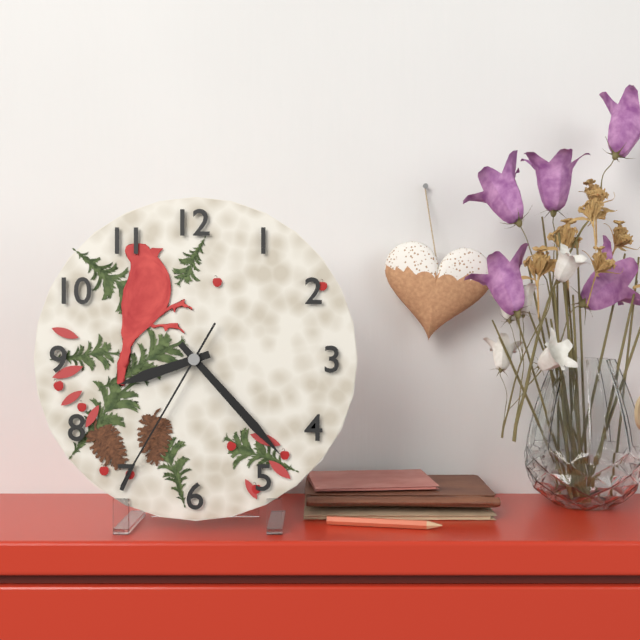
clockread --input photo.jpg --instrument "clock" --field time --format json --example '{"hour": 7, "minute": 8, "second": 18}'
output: {"hour": 8, "minute": 23, "second": 35}
